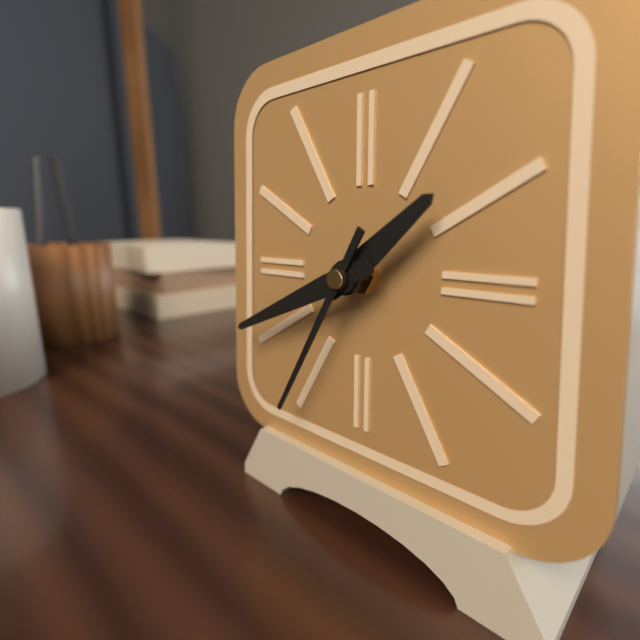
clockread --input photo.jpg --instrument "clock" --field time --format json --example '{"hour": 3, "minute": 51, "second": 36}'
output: {"hour": 1, "minute": 41, "second": 35}
